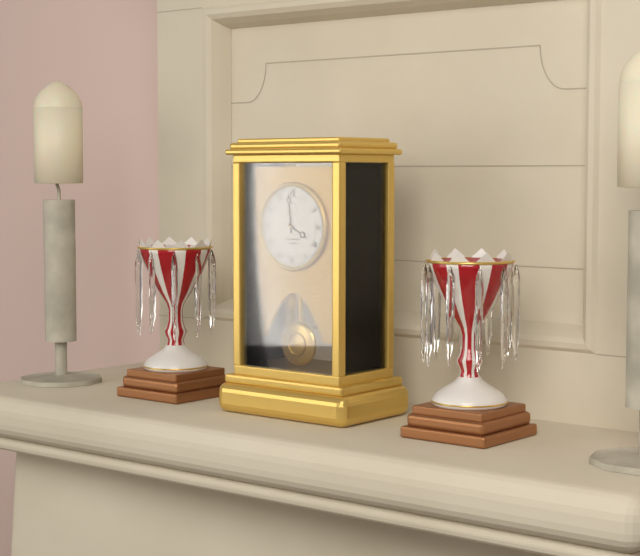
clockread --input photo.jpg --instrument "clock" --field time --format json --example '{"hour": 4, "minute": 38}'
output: {"hour": 3, "minute": 59}
